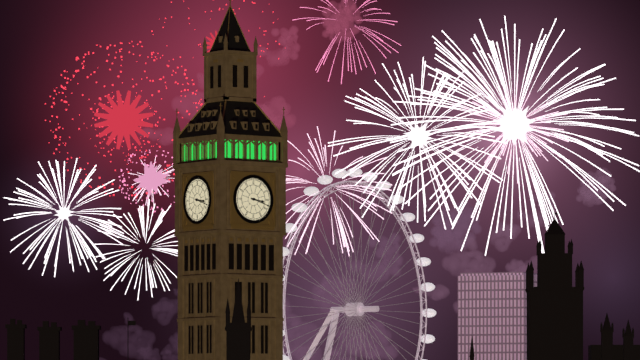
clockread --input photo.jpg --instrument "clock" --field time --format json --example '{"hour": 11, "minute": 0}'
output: {"hour": 3, "minute": 18}
